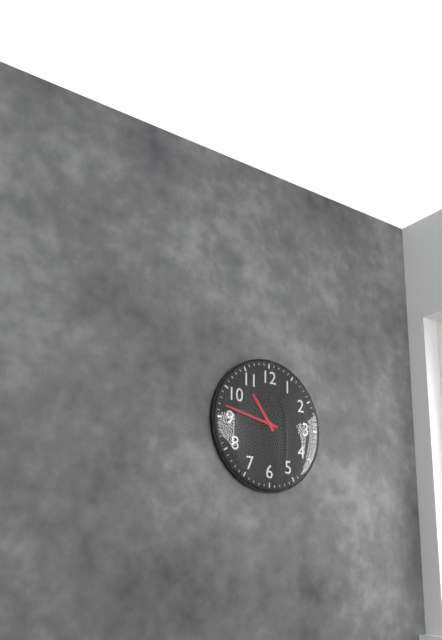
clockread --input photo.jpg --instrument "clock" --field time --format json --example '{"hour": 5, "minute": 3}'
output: {"hour": 10, "minute": 47}
